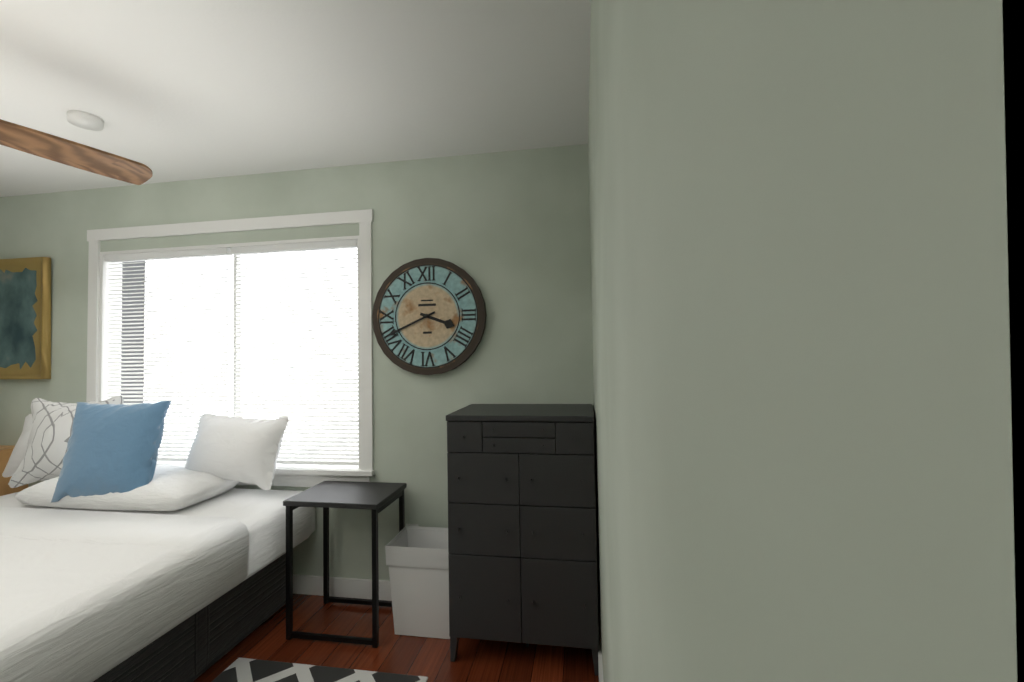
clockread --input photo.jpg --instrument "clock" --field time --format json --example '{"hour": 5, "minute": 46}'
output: {"hour": 3, "minute": 41}
